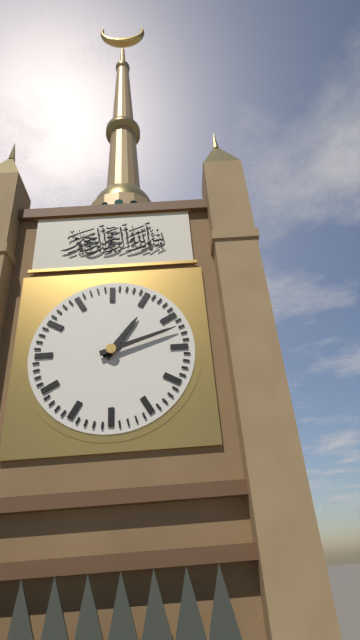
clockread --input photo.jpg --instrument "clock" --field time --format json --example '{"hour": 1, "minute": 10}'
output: {"hour": 1, "minute": 12}
